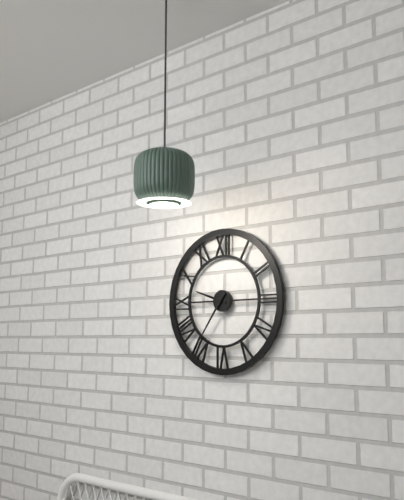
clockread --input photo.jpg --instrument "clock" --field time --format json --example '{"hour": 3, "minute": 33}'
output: {"hour": 9, "minute": 36}
